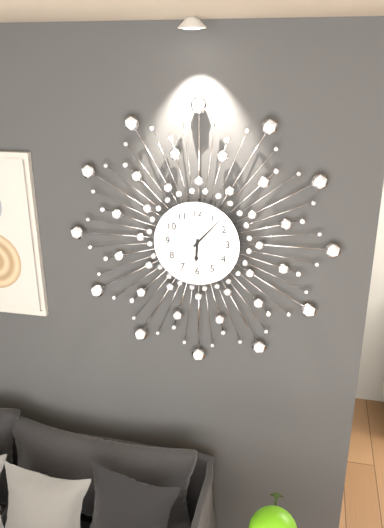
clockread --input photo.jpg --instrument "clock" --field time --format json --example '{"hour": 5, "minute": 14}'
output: {"hour": 6, "minute": 7}
